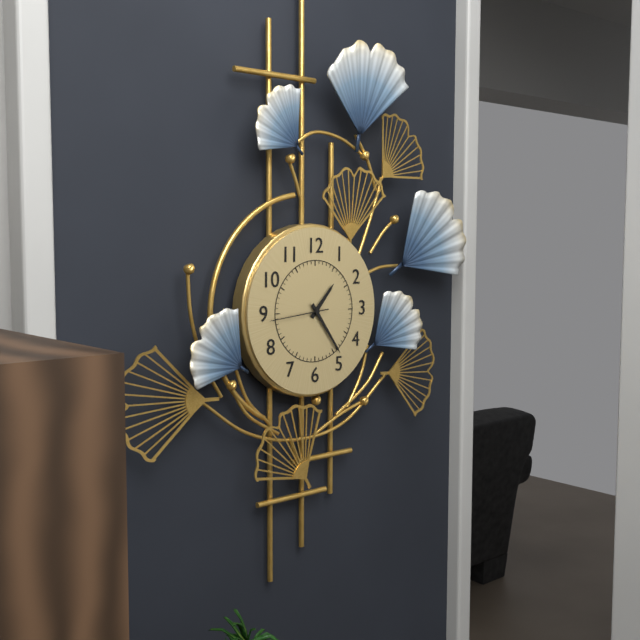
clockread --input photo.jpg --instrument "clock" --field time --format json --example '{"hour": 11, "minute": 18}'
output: {"hour": 1, "minute": 24}
